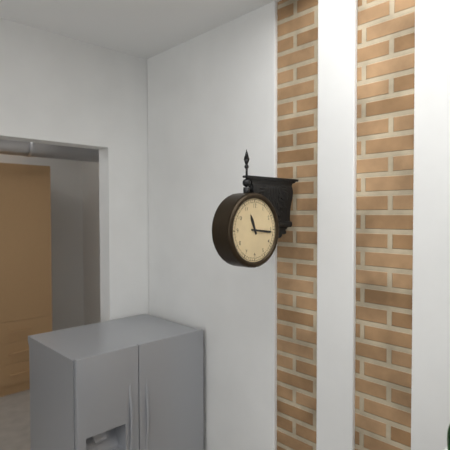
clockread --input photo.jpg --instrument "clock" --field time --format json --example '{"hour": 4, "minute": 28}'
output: {"hour": 11, "minute": 16}
